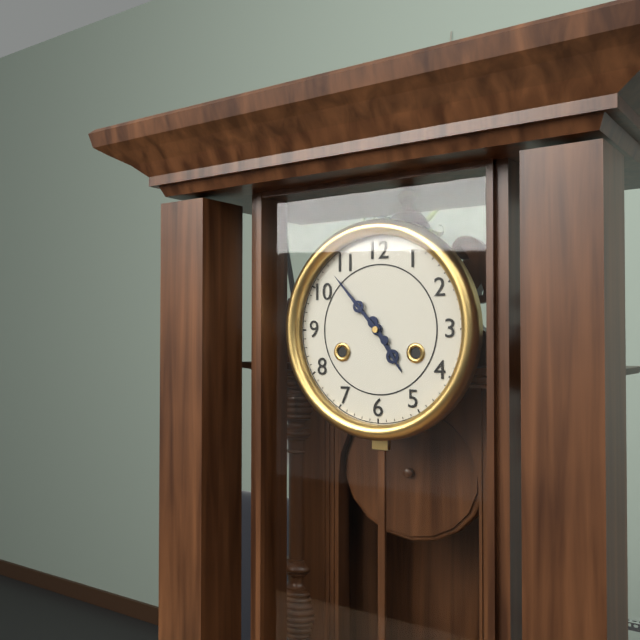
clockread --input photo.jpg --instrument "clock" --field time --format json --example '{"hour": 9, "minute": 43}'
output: {"hour": 4, "minute": 53}
